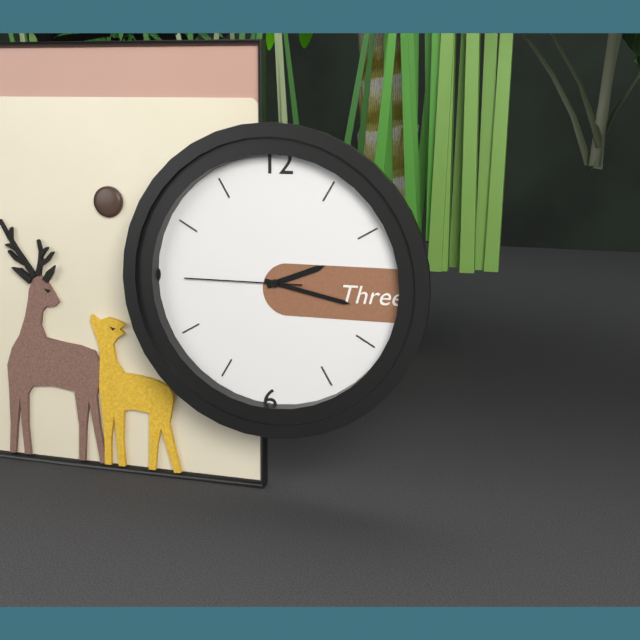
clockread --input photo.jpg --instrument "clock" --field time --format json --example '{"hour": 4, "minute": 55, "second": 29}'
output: {"hour": 2, "minute": 17, "second": 45}
